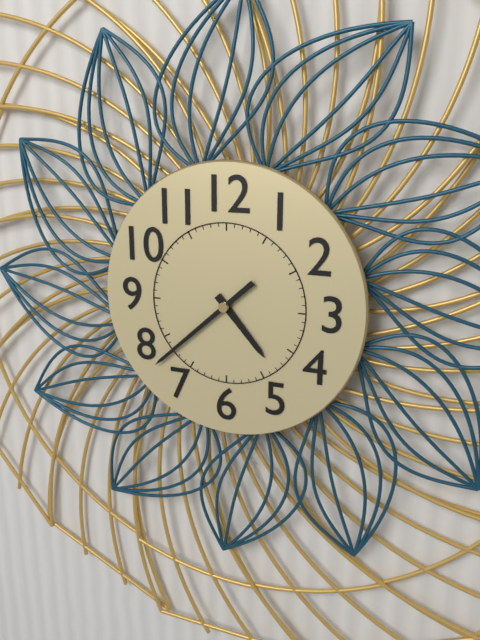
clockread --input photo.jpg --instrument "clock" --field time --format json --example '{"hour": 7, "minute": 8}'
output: {"hour": 4, "minute": 38}
